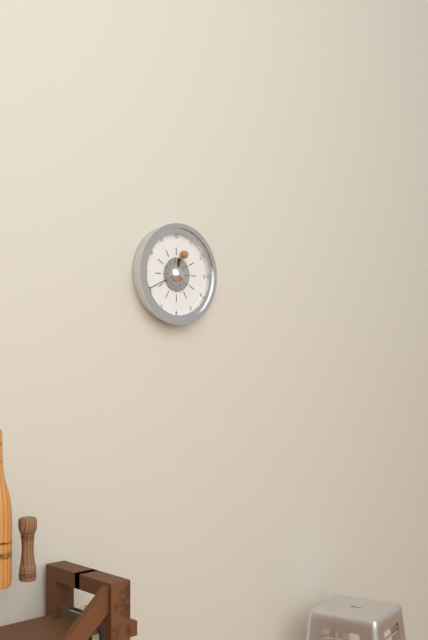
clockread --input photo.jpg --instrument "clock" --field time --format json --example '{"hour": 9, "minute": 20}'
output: {"hour": 12, "minute": 41}
